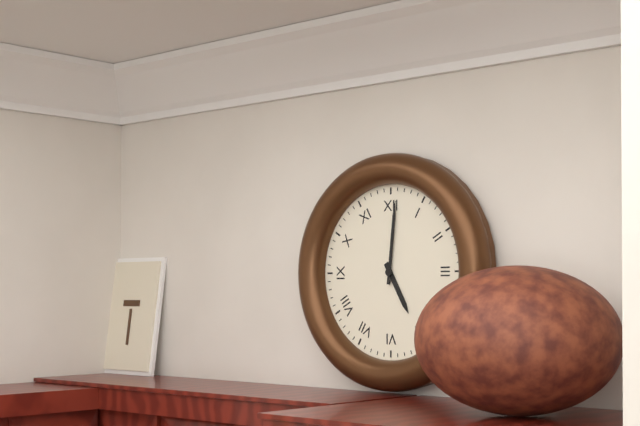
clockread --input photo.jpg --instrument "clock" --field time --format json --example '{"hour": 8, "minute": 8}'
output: {"hour": 5, "minute": 1}
